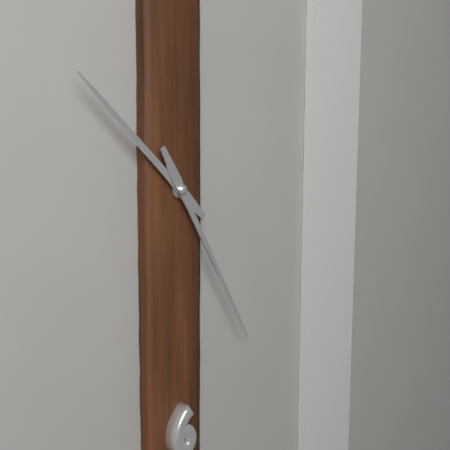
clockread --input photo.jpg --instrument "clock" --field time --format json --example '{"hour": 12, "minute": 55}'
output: {"hour": 10, "minute": 25}
